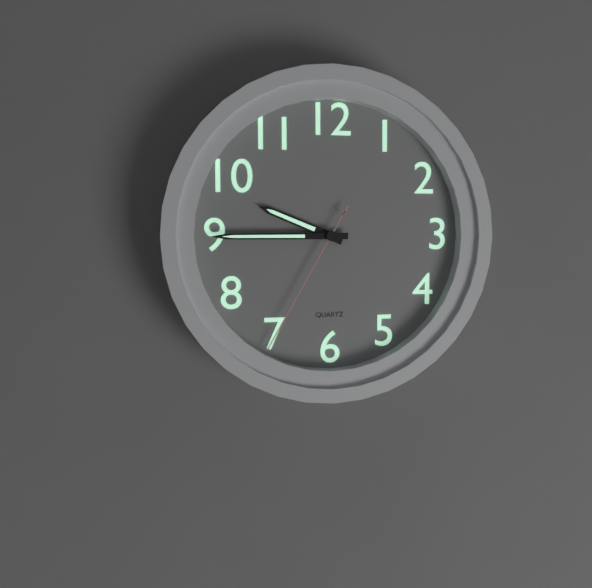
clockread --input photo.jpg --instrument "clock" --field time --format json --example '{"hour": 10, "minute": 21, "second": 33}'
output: {"hour": 9, "minute": 45, "second": 35}
